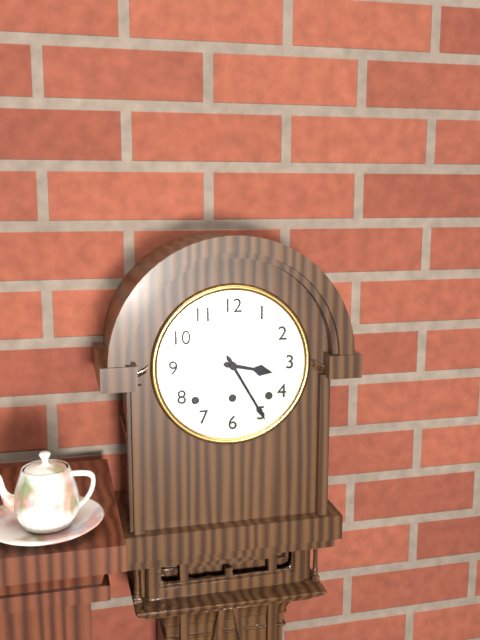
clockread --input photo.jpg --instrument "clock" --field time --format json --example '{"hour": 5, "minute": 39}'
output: {"hour": 3, "minute": 25}
